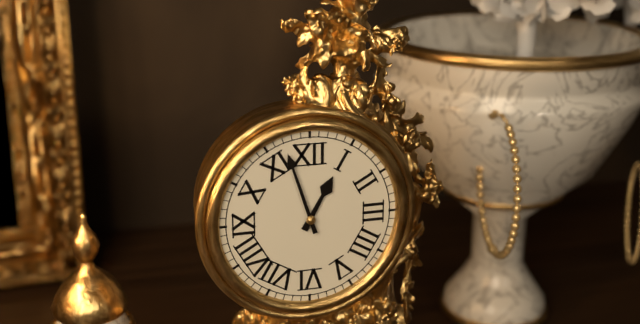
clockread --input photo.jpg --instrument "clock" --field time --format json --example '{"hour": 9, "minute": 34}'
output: {"hour": 12, "minute": 57}
